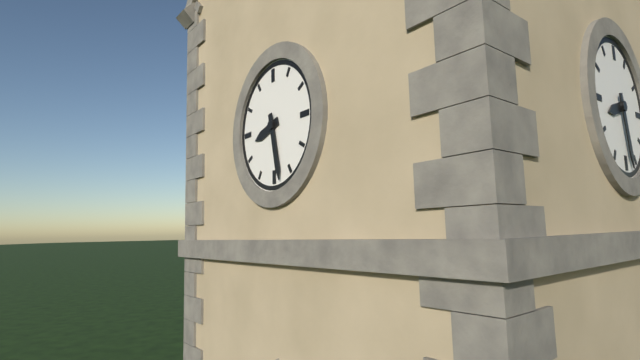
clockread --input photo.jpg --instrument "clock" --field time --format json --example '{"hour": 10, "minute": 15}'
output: {"hour": 8, "minute": 28}
